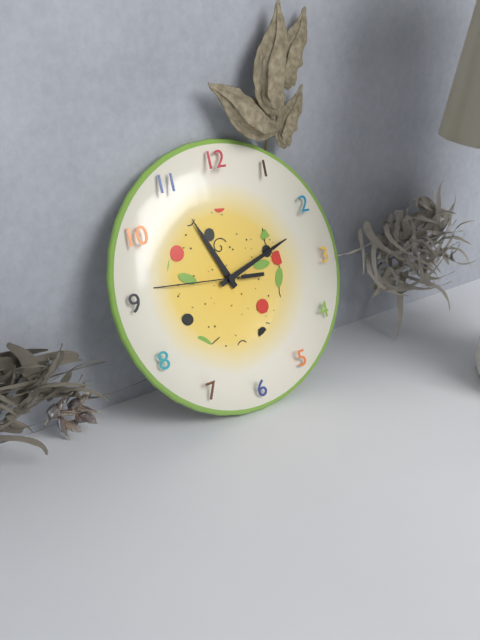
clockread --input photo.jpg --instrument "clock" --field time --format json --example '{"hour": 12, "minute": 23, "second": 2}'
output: {"hour": 11, "minute": 12, "second": 46}
